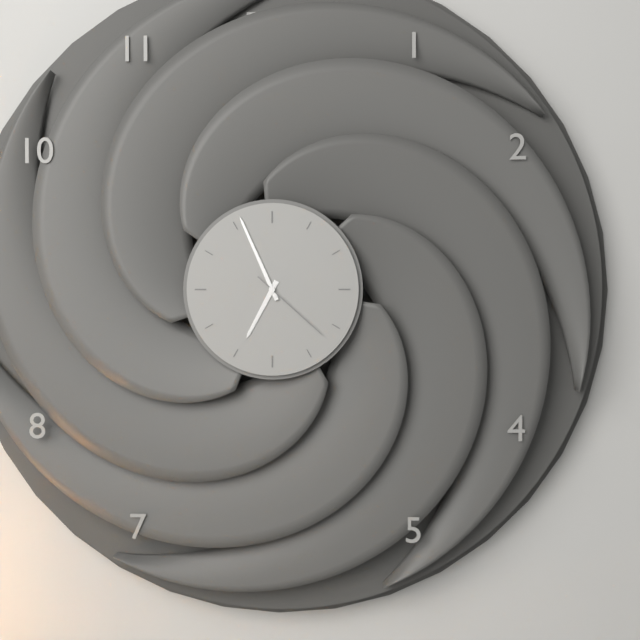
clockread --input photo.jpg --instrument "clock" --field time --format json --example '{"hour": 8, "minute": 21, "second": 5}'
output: {"hour": 6, "minute": 56, "second": 22}
